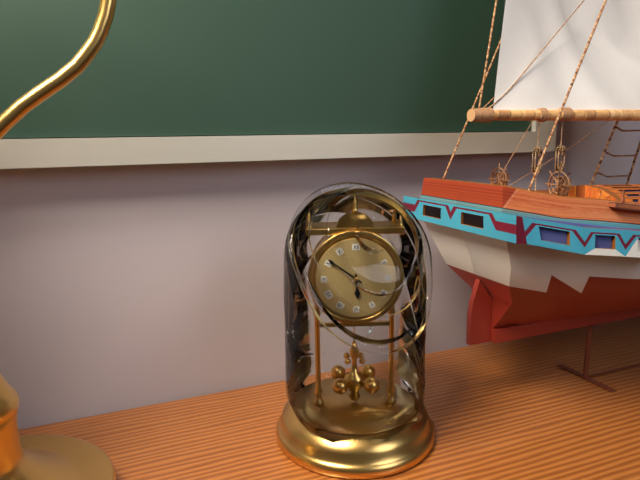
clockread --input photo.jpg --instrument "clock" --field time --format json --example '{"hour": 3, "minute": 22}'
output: {"hour": 5, "minute": 51}
